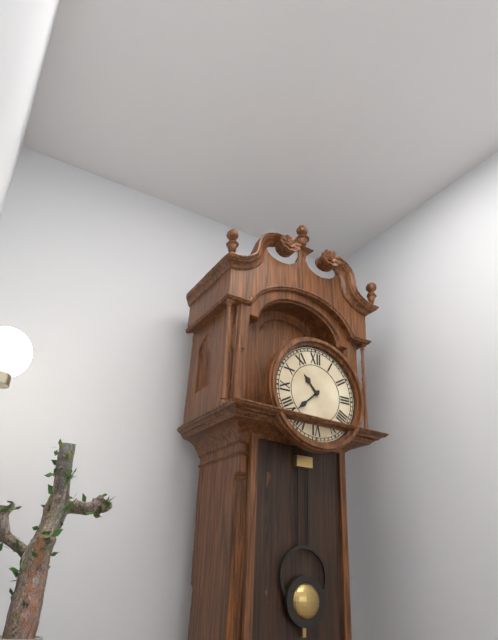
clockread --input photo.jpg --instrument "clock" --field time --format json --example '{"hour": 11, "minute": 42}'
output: {"hour": 10, "minute": 38}
